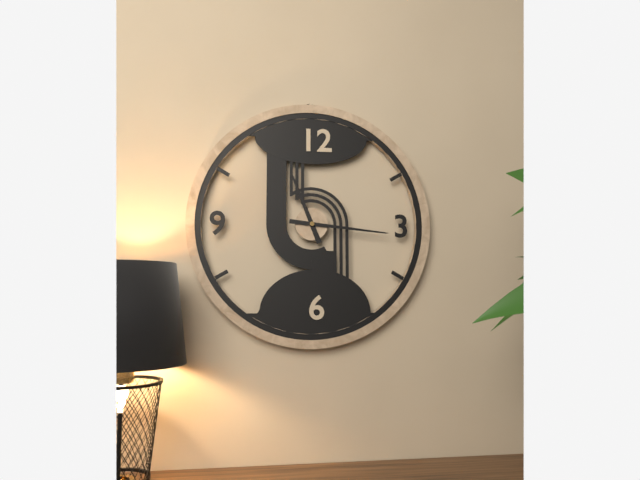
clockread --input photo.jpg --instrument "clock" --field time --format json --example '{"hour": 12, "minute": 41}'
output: {"hour": 11, "minute": 16}
